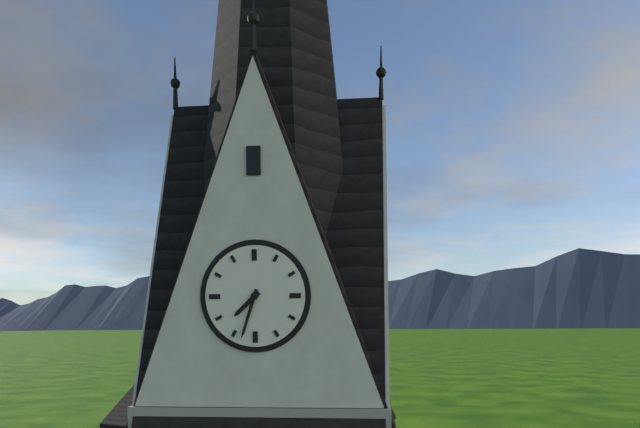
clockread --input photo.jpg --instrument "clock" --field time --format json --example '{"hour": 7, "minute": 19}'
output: {"hour": 7, "minute": 33}
